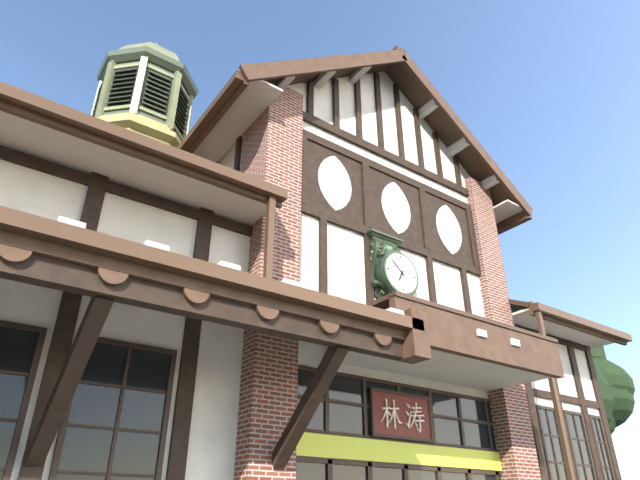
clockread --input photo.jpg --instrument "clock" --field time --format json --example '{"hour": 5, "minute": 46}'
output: {"hour": 6, "minute": 52}
